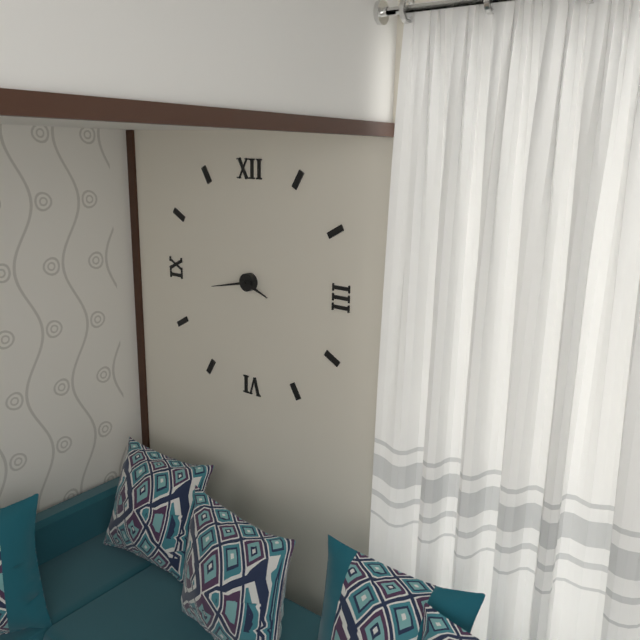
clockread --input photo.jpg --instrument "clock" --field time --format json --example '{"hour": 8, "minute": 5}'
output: {"hour": 3, "minute": 43}
